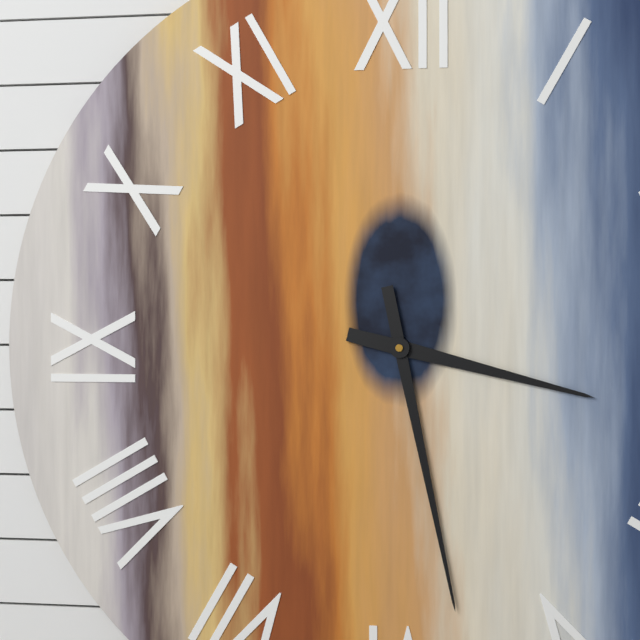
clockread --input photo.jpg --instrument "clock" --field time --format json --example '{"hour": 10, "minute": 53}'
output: {"hour": 3, "minute": 28}
